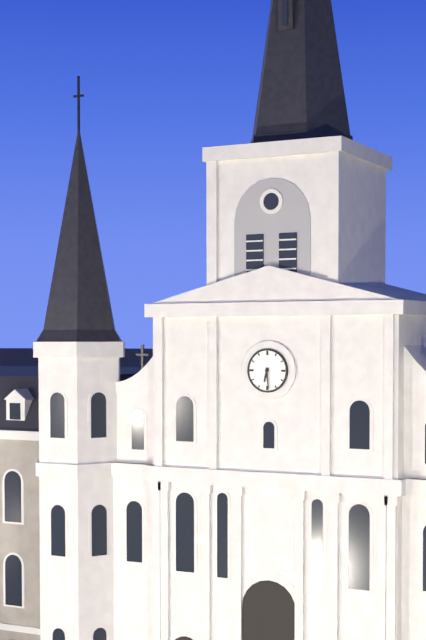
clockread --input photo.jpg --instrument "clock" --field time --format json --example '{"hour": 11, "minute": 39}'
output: {"hour": 6, "minute": 29}
